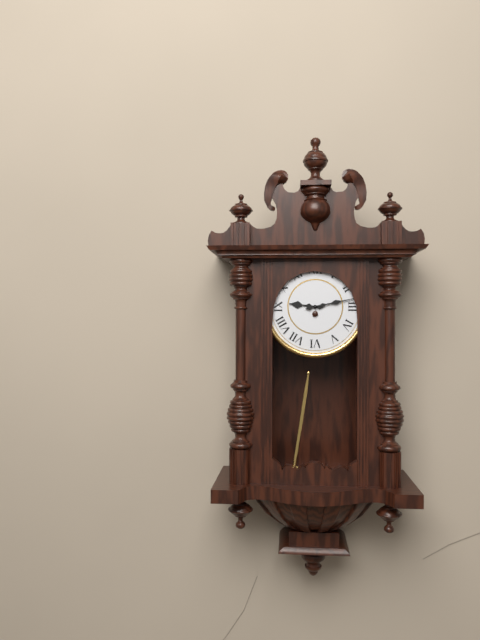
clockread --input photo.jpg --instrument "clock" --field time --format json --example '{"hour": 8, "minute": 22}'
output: {"hour": 9, "minute": 13}
